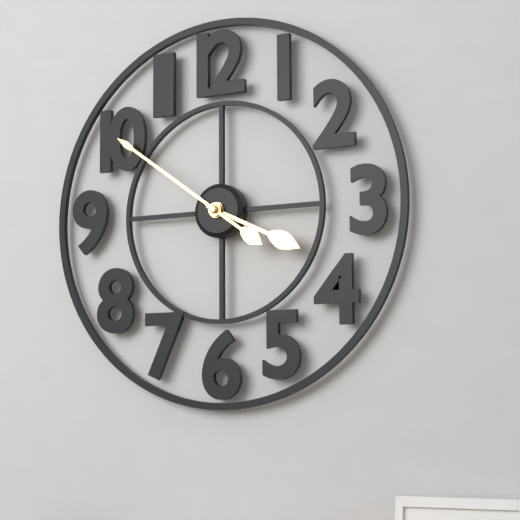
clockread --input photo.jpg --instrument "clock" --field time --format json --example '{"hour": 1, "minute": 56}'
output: {"hour": 3, "minute": 51}
